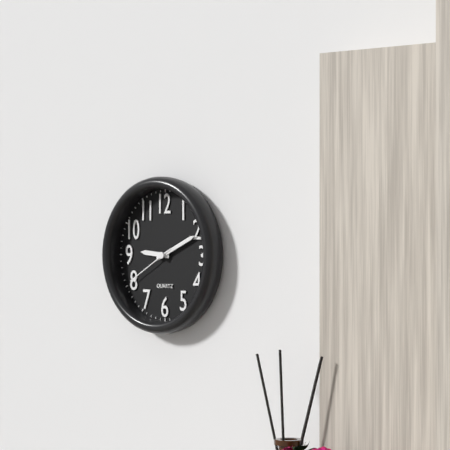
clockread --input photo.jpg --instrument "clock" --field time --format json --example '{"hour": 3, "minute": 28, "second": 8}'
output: {"hour": 9, "minute": 11, "second": 40}
